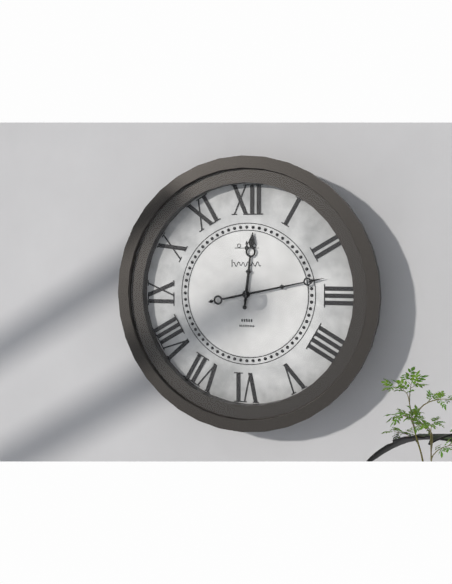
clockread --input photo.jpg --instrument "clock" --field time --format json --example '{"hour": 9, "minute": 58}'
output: {"hour": 12, "minute": 13}
